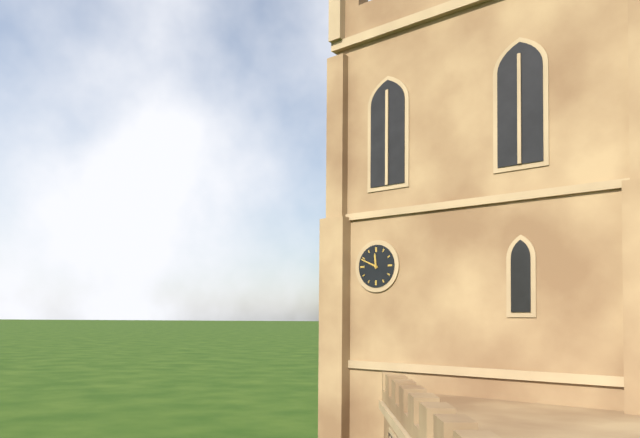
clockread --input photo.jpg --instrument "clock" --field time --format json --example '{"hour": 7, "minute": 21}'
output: {"hour": 11, "minute": 49}
